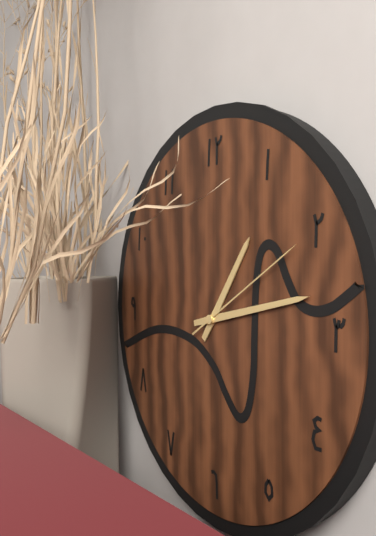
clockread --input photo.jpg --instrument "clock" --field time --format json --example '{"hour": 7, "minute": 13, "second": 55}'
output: {"hour": 1, "minute": 13, "second": 10}
